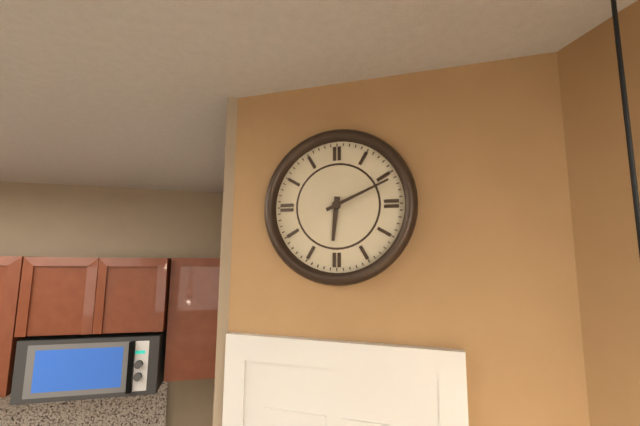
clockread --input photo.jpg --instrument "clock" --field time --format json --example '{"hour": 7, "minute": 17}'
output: {"hour": 6, "minute": 11}
